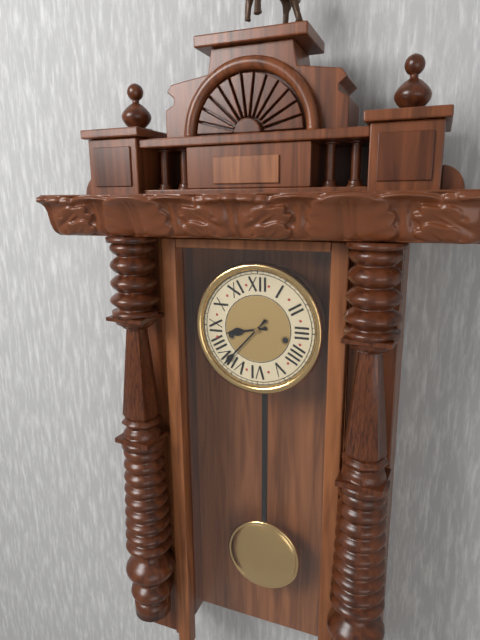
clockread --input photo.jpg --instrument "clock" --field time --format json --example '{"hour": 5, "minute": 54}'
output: {"hour": 8, "minute": 37}
